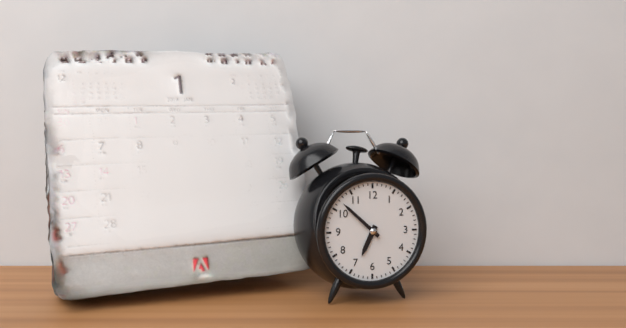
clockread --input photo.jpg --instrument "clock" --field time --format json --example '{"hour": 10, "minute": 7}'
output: {"hour": 6, "minute": 52}
